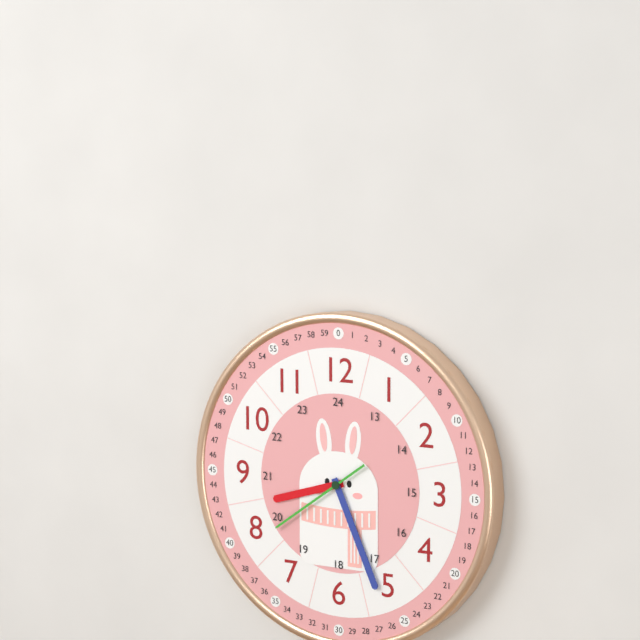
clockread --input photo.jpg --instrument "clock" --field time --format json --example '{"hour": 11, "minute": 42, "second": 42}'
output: {"hour": 8, "minute": 26, "second": 39}
